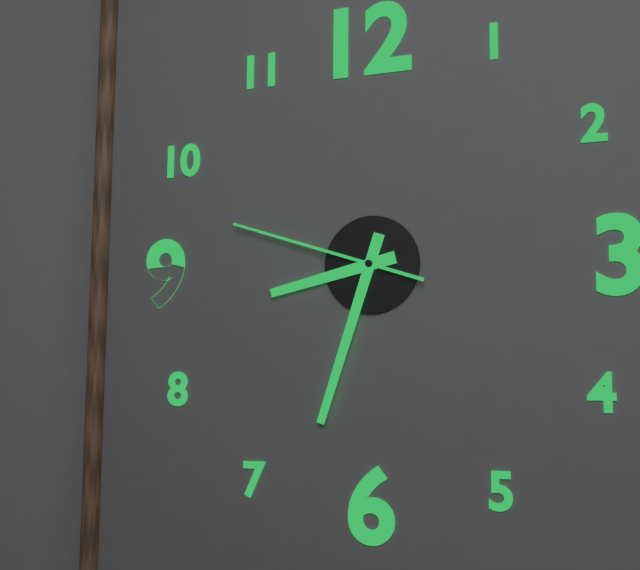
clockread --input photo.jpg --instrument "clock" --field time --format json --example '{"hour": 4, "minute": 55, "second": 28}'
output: {"hour": 8, "minute": 33, "second": 48}
